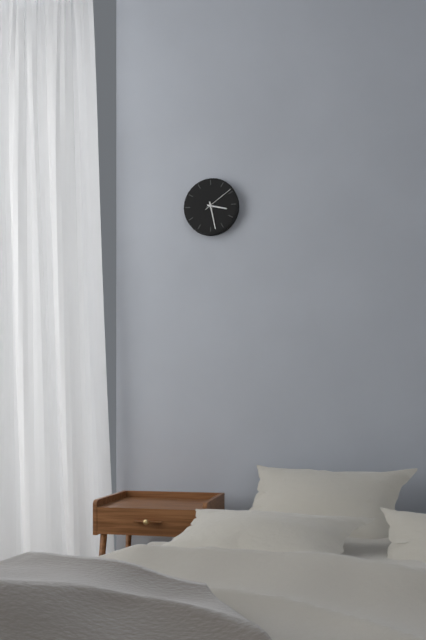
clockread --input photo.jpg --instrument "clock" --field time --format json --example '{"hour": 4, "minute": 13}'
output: {"hour": 3, "minute": 28}
